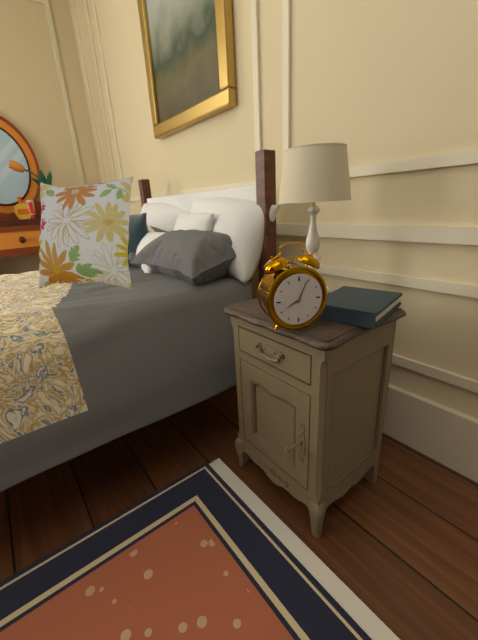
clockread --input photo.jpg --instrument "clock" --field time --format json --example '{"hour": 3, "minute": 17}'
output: {"hour": 8, "minute": 4}
